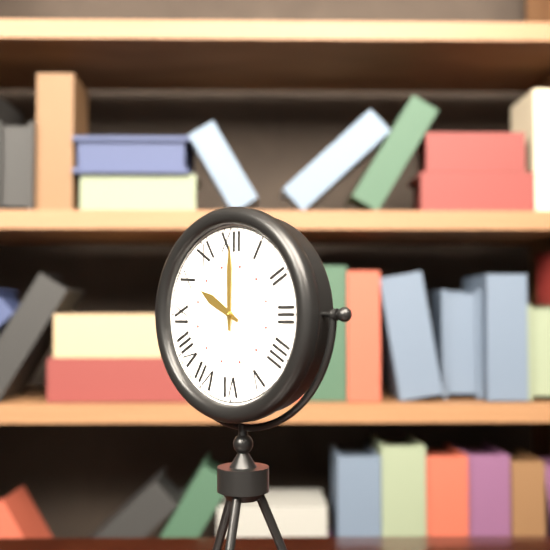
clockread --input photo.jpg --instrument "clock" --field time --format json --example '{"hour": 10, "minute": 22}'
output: {"hour": 10, "minute": 0}
